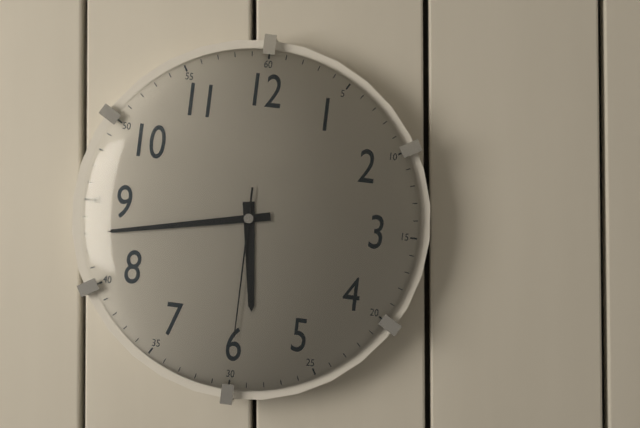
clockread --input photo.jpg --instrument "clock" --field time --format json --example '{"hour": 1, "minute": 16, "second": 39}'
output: {"hour": 5, "minute": 43, "second": 30}
